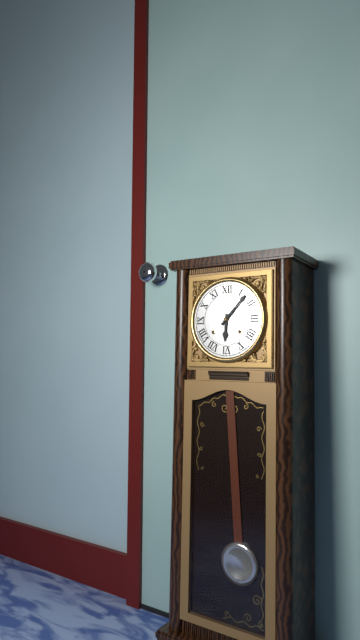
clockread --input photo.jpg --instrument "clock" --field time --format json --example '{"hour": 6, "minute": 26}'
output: {"hour": 6, "minute": 7}
